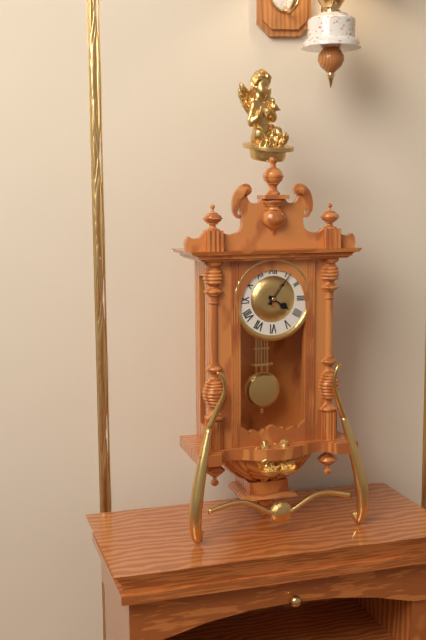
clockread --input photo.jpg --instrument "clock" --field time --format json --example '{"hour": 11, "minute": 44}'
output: {"hour": 4, "minute": 6}
